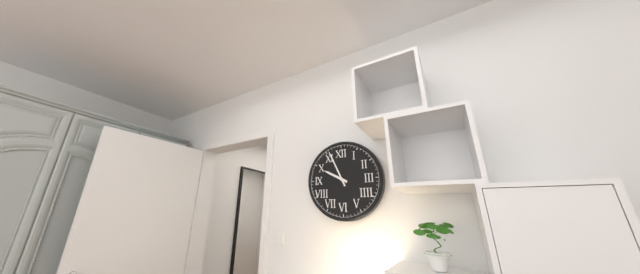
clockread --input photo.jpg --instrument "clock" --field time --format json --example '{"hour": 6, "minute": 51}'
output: {"hour": 9, "minute": 56}
